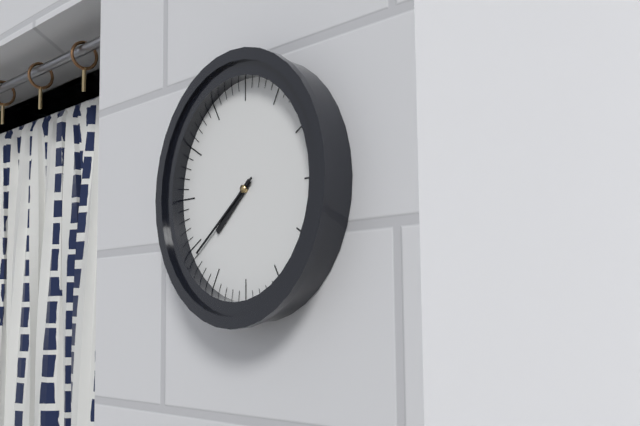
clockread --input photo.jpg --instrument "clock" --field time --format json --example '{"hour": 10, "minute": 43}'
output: {"hour": 7, "minute": 39}
